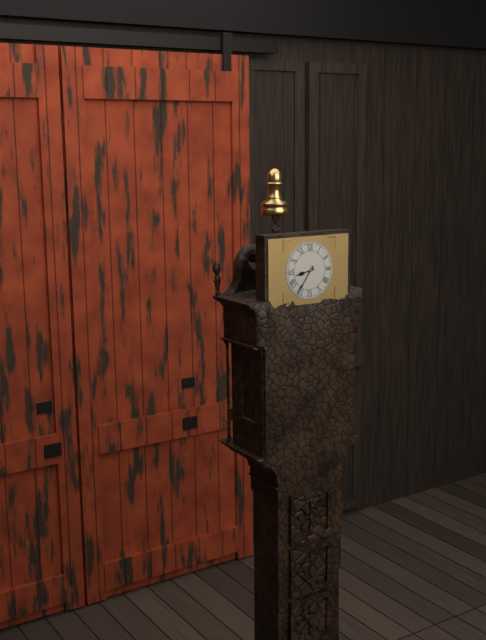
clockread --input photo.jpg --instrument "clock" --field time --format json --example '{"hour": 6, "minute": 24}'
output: {"hour": 8, "minute": 36}
